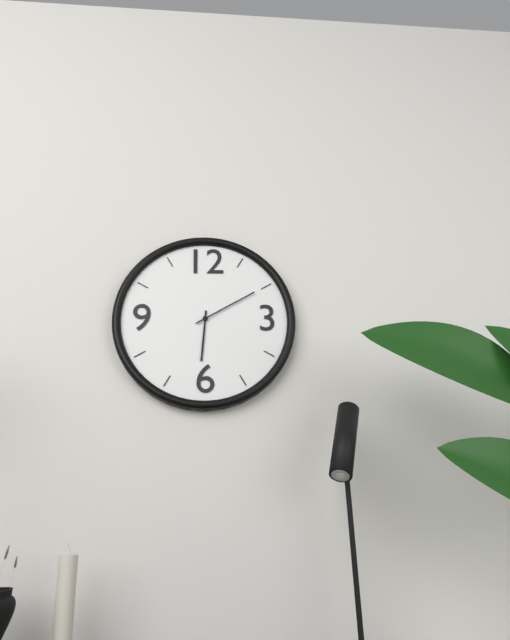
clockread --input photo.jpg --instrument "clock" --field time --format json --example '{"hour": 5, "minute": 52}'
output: {"hour": 6, "minute": 10}
